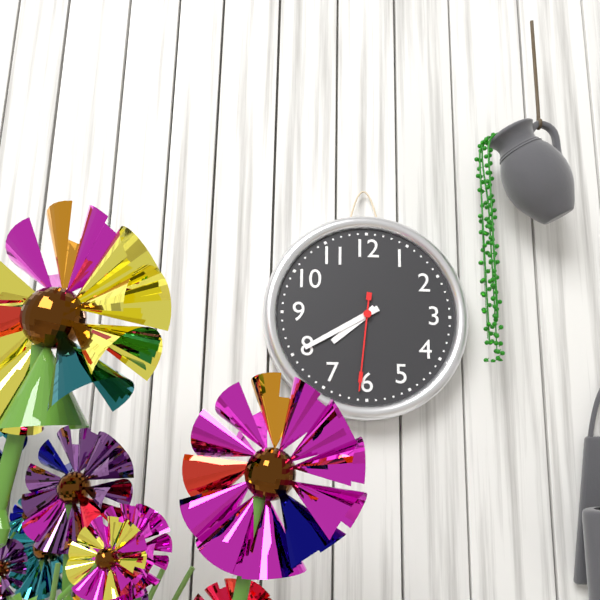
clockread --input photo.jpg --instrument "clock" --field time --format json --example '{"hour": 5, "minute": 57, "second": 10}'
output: {"hour": 7, "minute": 40, "second": 31}
